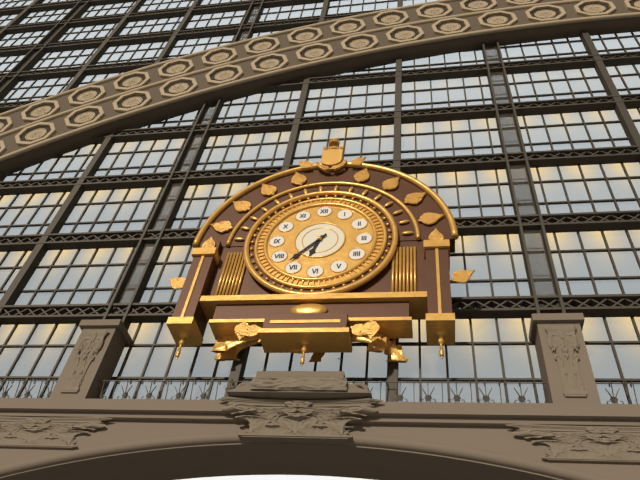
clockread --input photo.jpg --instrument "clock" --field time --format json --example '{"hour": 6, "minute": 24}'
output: {"hour": 6, "minute": 37}
